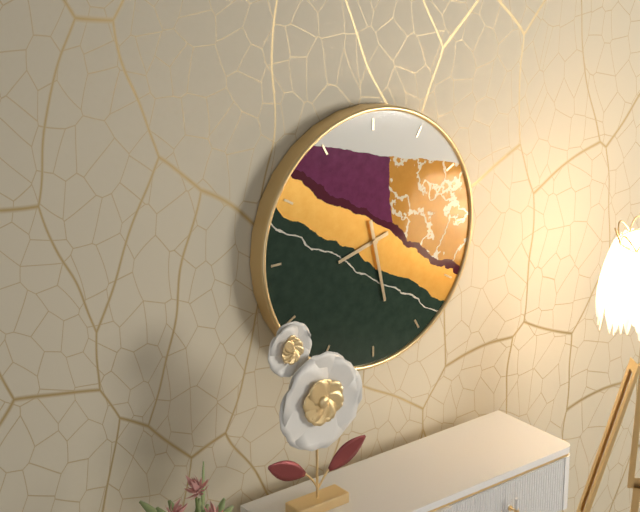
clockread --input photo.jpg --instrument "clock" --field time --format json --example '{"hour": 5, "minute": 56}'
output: {"hour": 8, "minute": 28}
